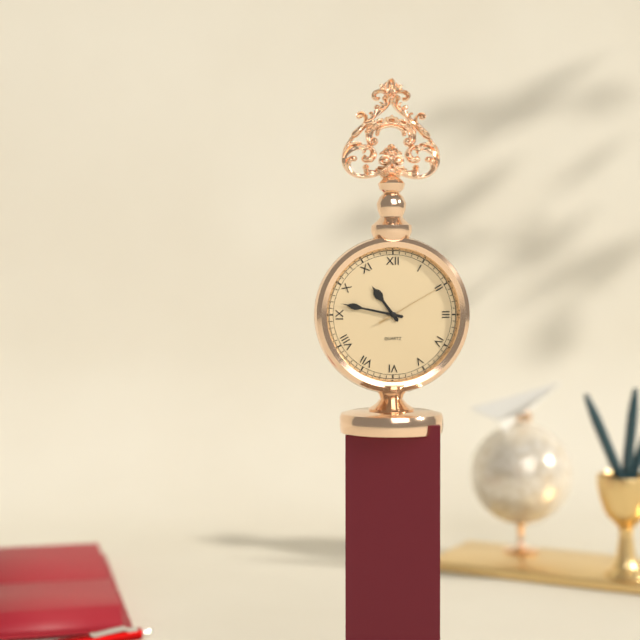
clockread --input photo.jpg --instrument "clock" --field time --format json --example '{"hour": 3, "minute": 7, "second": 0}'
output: {"hour": 10, "minute": 47, "second": 10}
